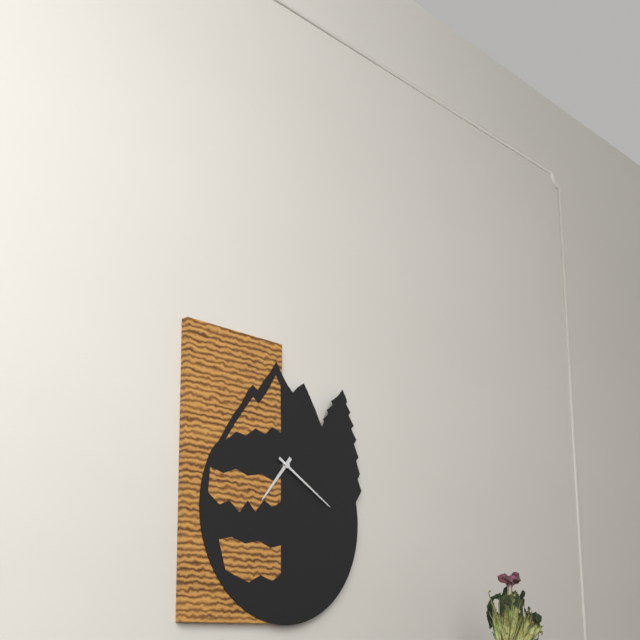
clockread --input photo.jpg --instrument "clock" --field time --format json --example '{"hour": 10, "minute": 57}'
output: {"hour": 7, "minute": 20}
